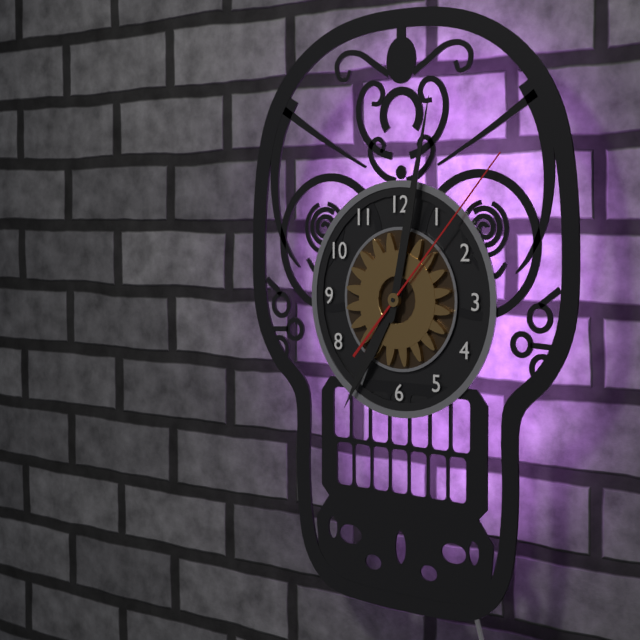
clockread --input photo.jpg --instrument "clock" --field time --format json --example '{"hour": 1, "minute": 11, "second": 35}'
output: {"hour": 7, "minute": 2, "second": 7}
